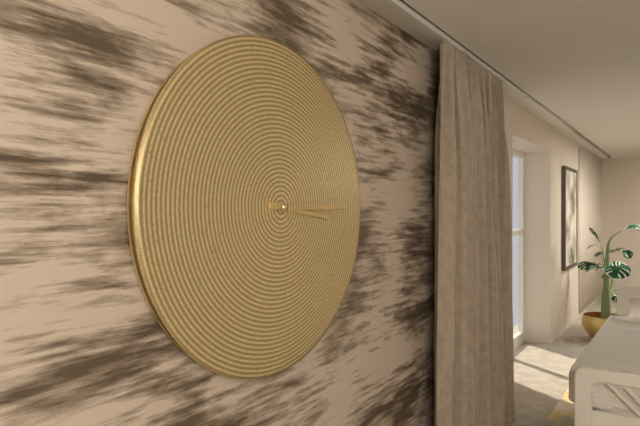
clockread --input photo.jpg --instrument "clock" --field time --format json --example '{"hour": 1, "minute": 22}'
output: {"hour": 3, "minute": 15}
